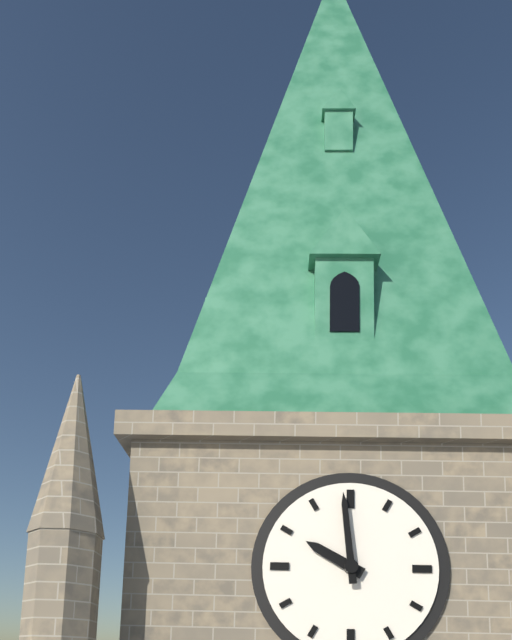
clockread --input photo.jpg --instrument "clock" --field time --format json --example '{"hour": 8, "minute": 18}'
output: {"hour": 9, "minute": 59}
